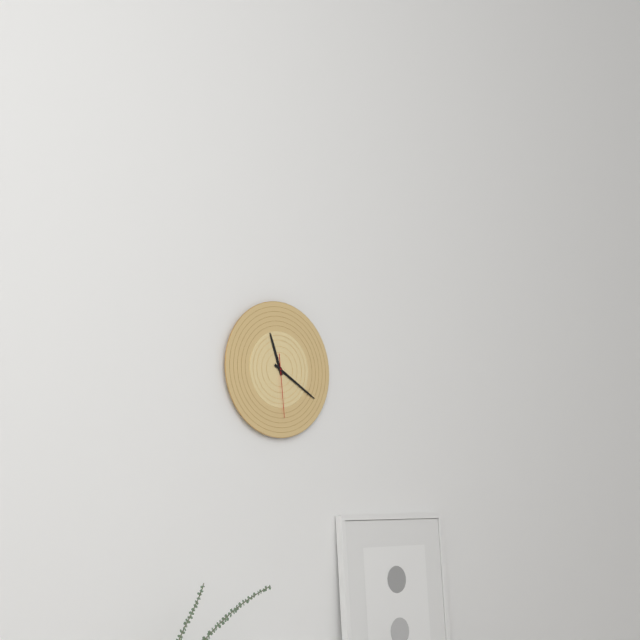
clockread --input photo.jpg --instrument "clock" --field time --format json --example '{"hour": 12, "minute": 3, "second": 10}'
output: {"hour": 11, "minute": 20, "second": 29}
